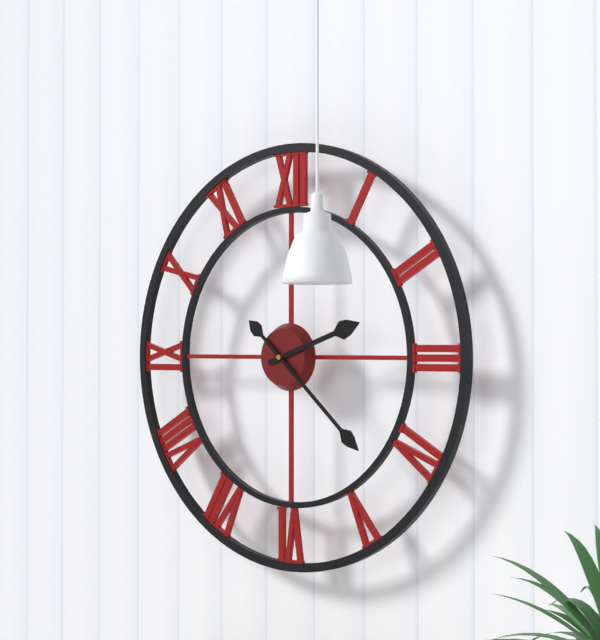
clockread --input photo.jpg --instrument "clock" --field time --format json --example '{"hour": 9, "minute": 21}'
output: {"hour": 2, "minute": 22}
